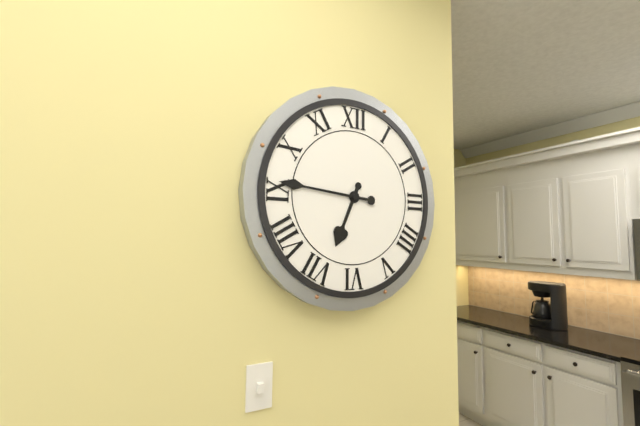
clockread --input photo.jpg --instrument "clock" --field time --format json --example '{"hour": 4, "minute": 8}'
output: {"hour": 6, "minute": 46}
